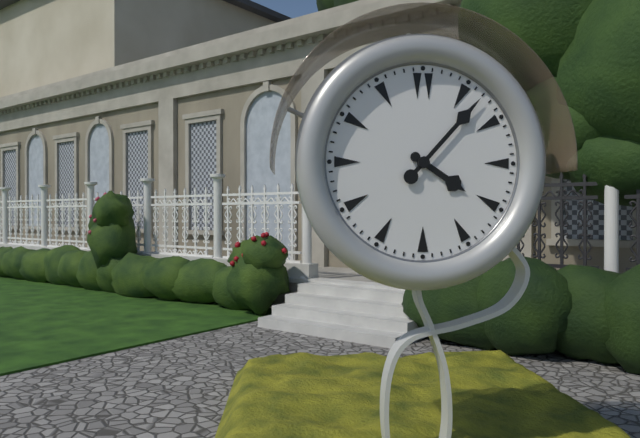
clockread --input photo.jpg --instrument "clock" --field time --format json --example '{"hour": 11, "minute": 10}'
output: {"hour": 4, "minute": 7}
